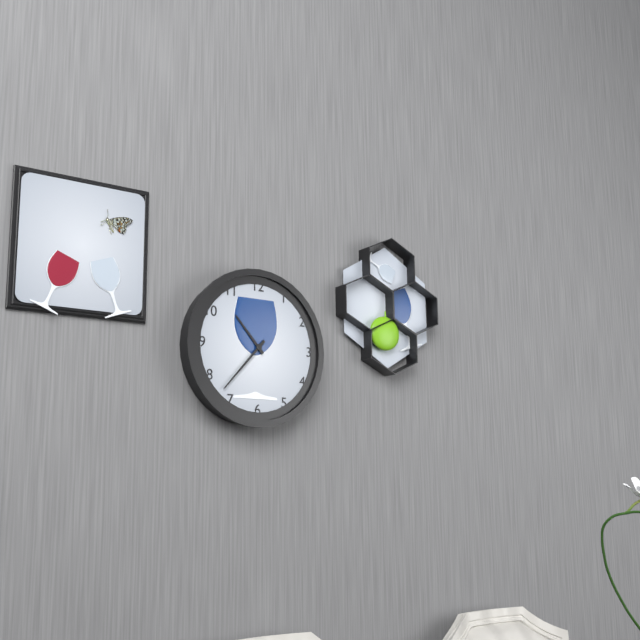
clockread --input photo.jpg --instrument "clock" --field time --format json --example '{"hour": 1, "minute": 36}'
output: {"hour": 10, "minute": 37}
